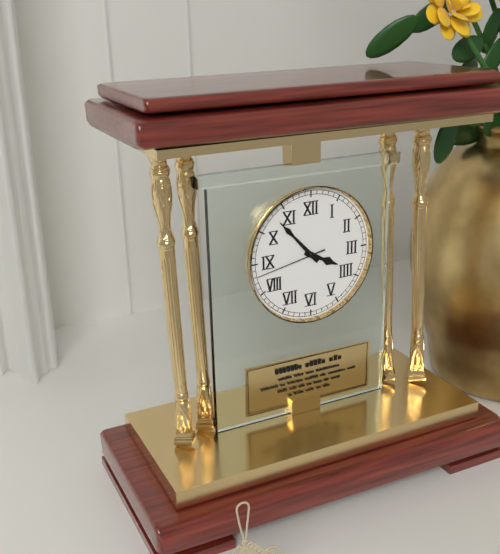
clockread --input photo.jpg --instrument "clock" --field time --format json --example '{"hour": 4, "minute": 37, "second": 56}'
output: {"hour": 3, "minute": 53, "second": 43}
